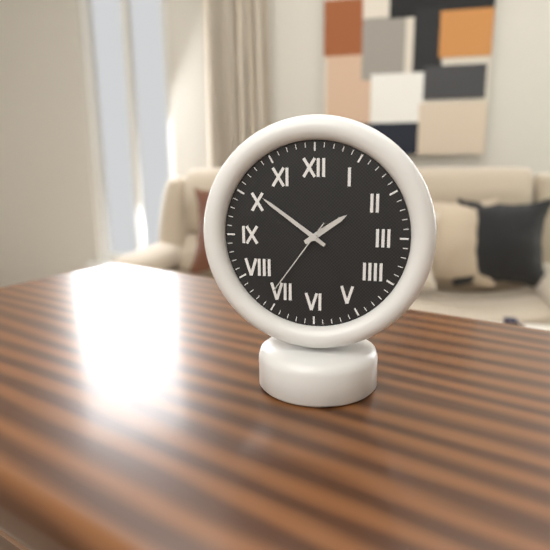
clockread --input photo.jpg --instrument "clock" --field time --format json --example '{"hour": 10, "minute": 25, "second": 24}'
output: {"hour": 1, "minute": 51, "second": 36}
